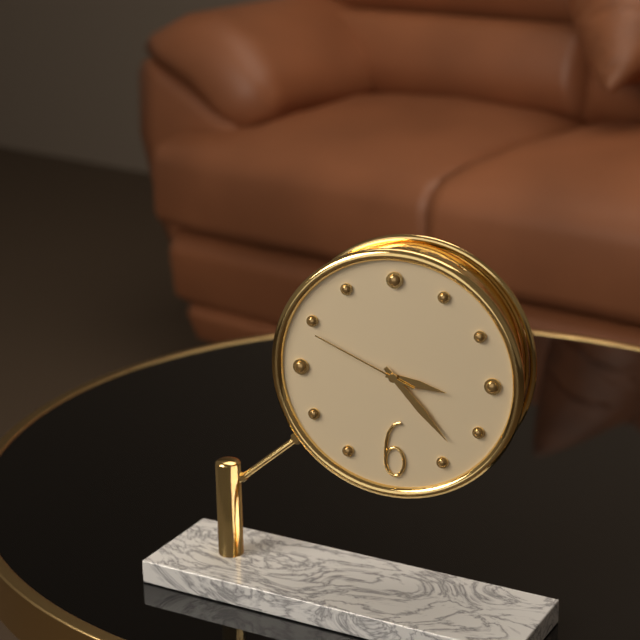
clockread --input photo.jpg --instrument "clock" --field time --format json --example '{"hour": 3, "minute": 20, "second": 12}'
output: {"hour": 3, "minute": 23, "second": 49}
